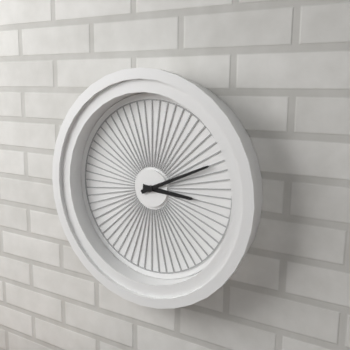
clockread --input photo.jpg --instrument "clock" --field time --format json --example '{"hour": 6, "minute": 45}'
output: {"hour": 3, "minute": 11}
